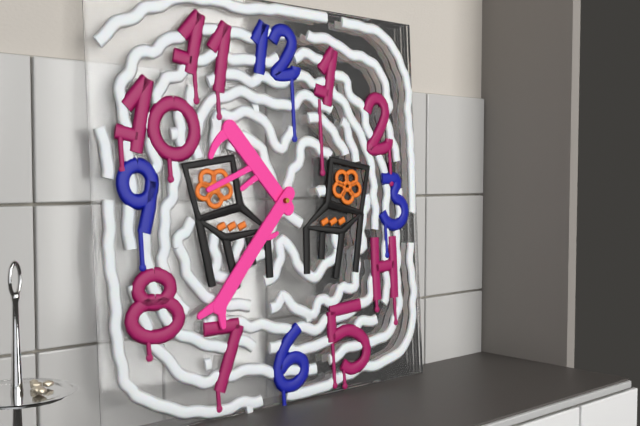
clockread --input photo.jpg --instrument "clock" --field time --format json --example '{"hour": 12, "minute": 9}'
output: {"hour": 10, "minute": 37}
